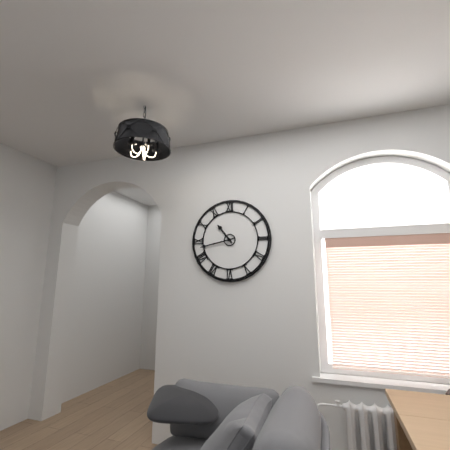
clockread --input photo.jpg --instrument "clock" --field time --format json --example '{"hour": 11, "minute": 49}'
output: {"hour": 10, "minute": 43}
